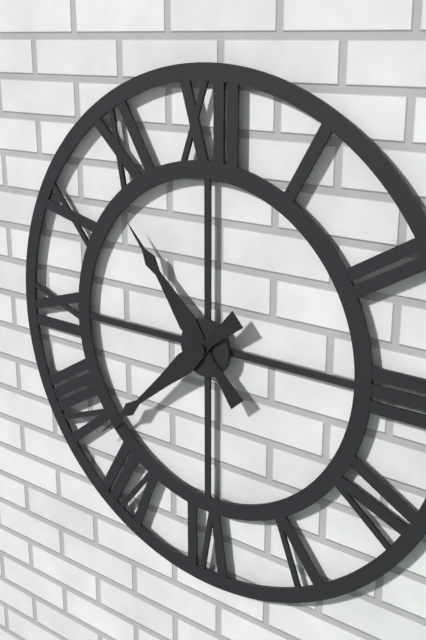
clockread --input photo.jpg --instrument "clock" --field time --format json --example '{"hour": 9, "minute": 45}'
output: {"hour": 10, "minute": 38}
